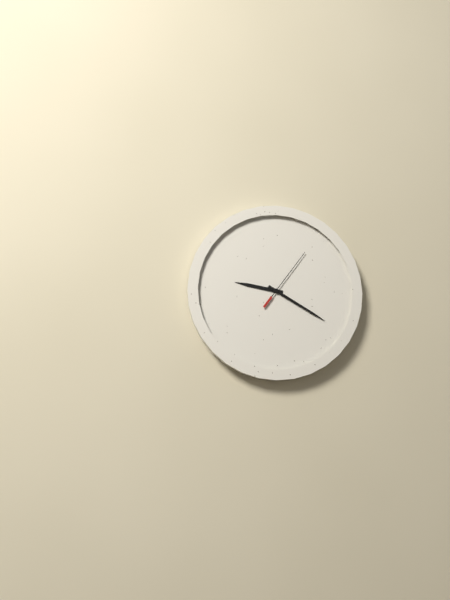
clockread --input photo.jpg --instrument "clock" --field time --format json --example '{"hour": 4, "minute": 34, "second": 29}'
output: {"hour": 9, "minute": 20, "second": 6}
